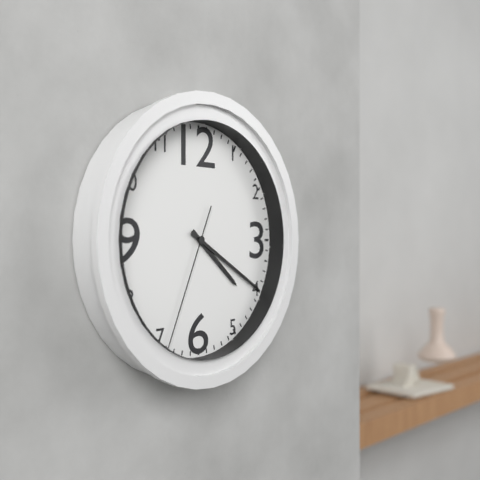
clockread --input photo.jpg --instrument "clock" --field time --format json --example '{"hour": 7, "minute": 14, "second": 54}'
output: {"hour": 4, "minute": 20, "second": 34}
